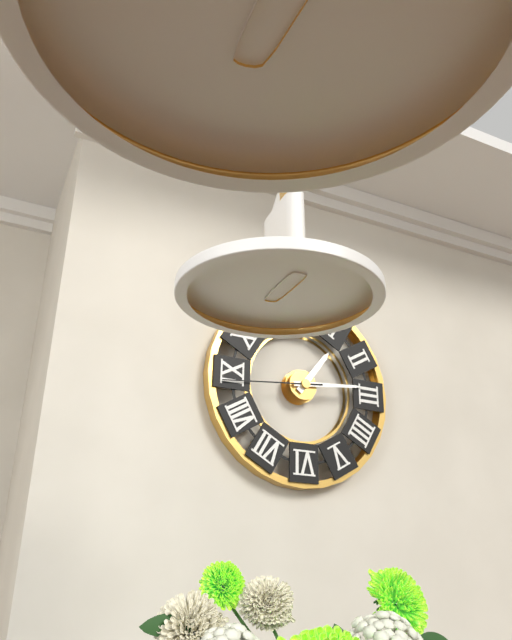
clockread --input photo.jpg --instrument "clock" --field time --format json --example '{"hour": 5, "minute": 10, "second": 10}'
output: {"hour": 1, "minute": 14, "second": 44}
